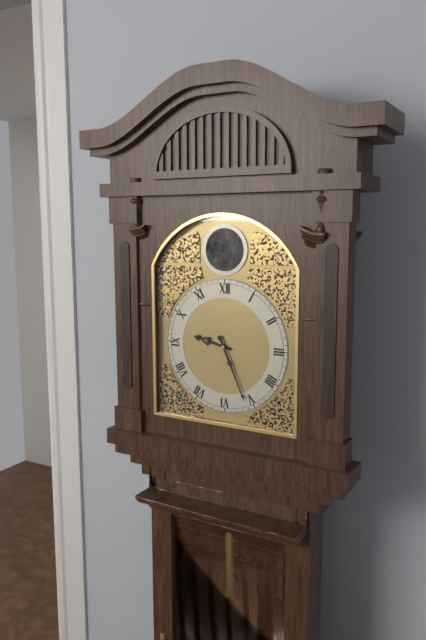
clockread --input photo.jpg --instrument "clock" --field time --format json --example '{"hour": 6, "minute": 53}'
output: {"hour": 9, "minute": 26}
